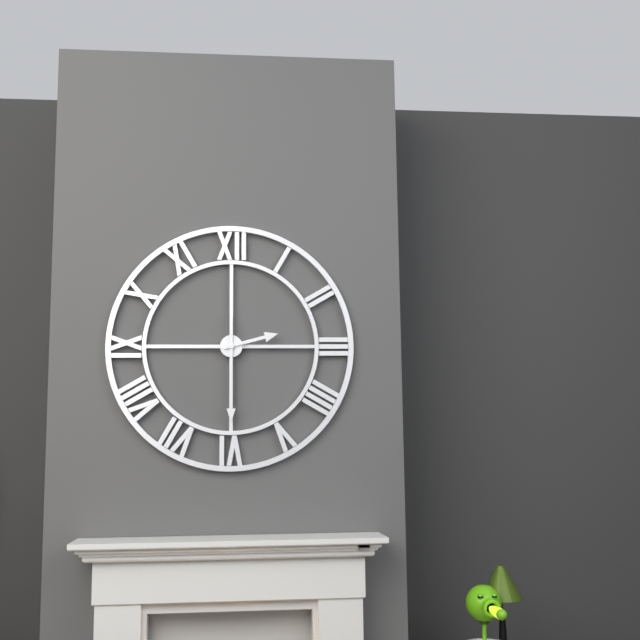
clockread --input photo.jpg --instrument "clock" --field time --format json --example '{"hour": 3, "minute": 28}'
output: {"hour": 2, "minute": 30}
